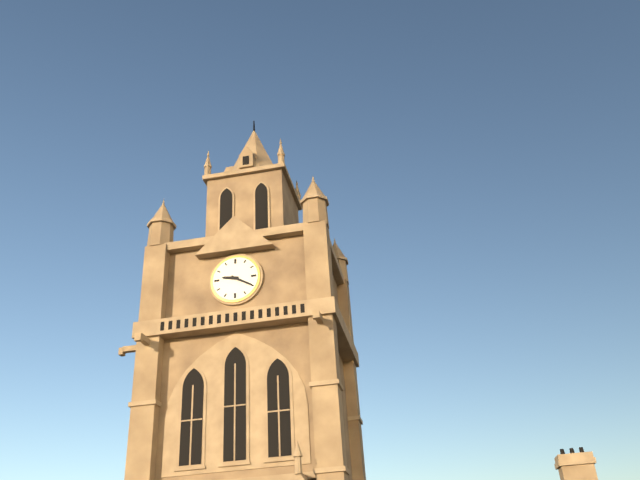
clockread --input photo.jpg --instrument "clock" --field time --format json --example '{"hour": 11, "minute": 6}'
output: {"hour": 9, "minute": 20}
